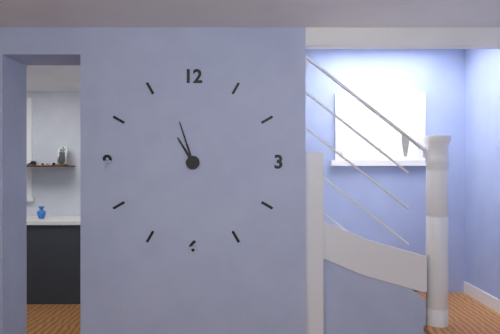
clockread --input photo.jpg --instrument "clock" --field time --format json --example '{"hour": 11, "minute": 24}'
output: {"hour": 10, "minute": 57}
